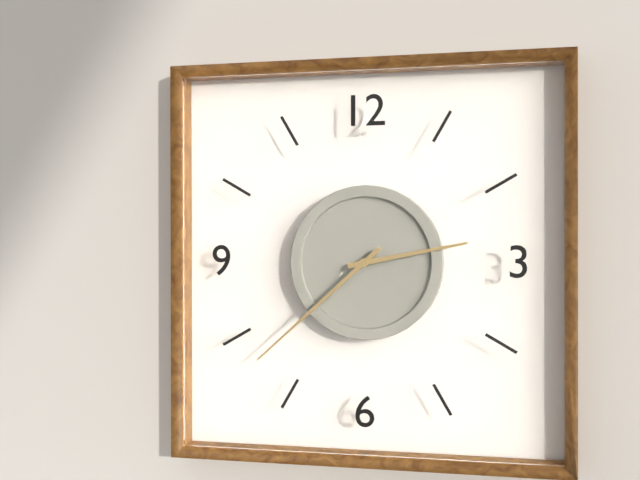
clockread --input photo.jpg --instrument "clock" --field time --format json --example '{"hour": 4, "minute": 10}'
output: {"hour": 2, "minute": 38}
